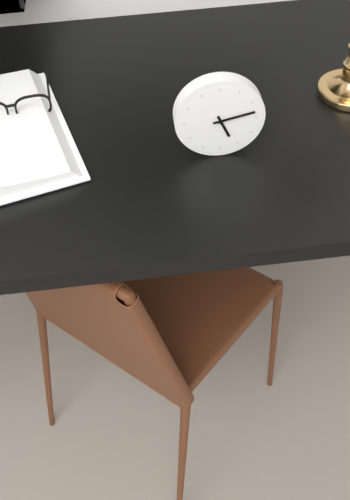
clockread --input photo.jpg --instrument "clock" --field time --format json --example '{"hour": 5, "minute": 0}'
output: {"hour": 5, "minute": 13}
